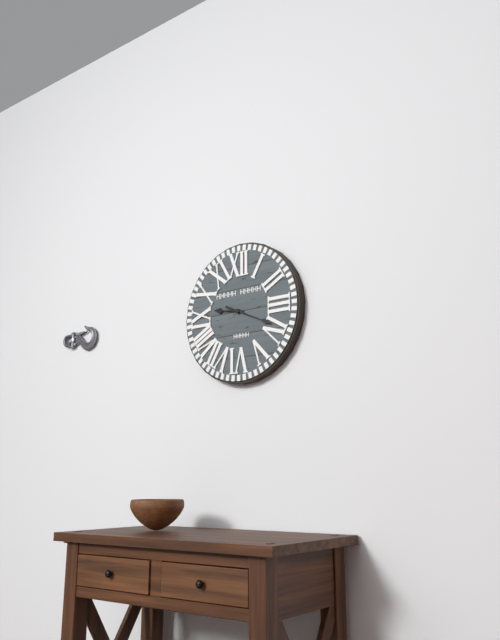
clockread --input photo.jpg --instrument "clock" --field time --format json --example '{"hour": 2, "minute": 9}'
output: {"hour": 9, "minute": 19}
